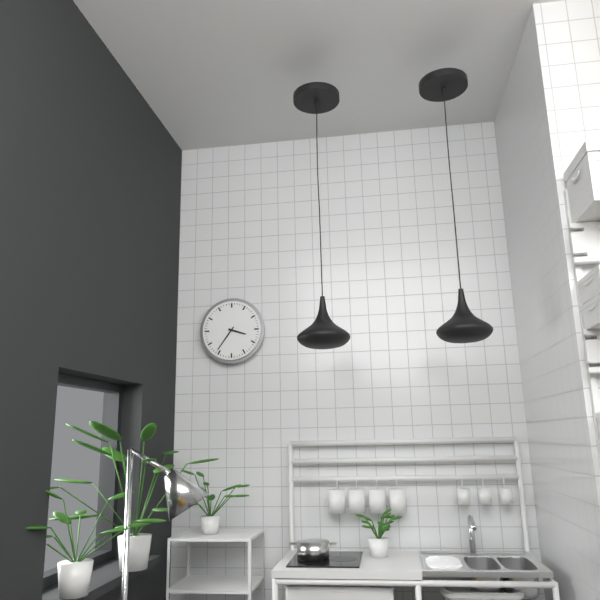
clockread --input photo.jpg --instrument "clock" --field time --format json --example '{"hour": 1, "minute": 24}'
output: {"hour": 3, "minute": 36}
